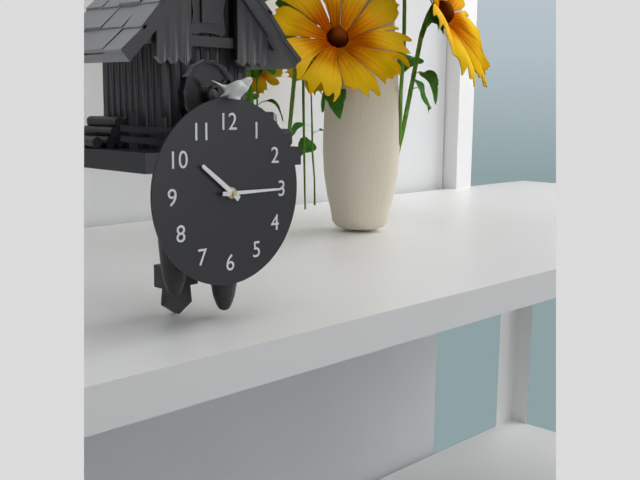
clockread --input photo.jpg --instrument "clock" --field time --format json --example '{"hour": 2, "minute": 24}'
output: {"hour": 10, "minute": 15}
